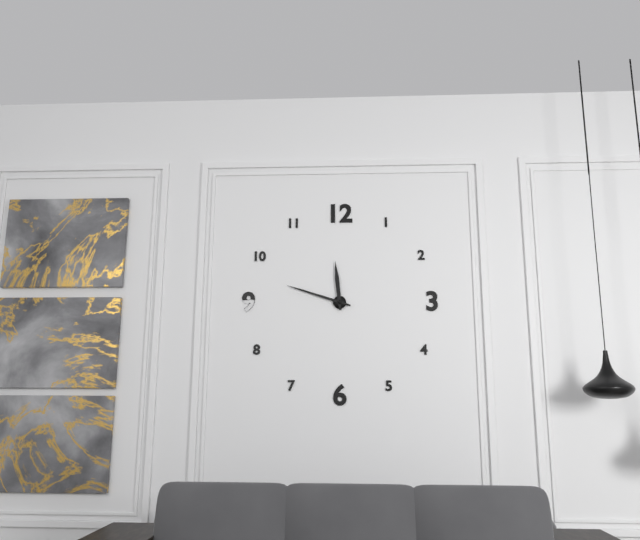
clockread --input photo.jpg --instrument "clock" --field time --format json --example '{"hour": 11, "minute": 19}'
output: {"hour": 11, "minute": 48}
